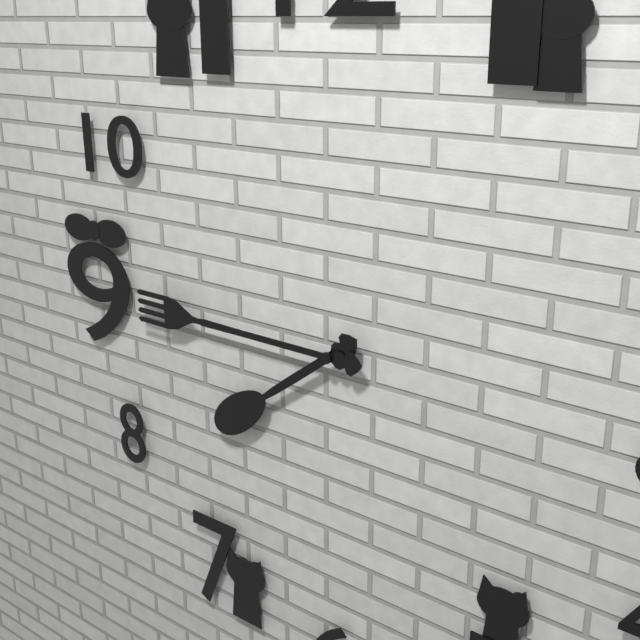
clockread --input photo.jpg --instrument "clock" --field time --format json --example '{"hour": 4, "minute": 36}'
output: {"hour": 7, "minute": 45}
